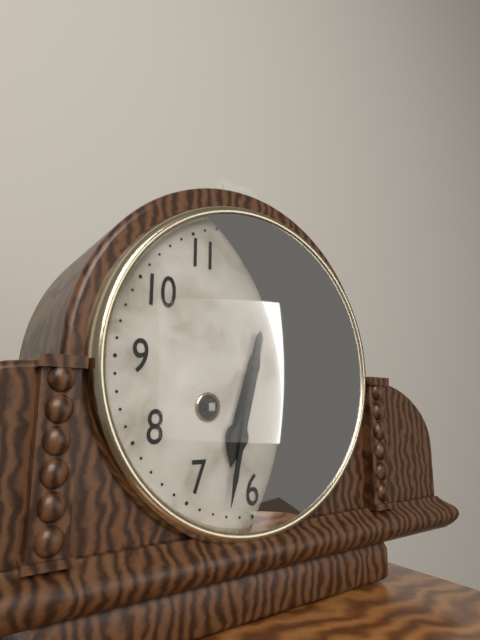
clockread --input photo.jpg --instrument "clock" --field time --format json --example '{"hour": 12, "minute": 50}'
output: {"hour": 6, "minute": 32}
